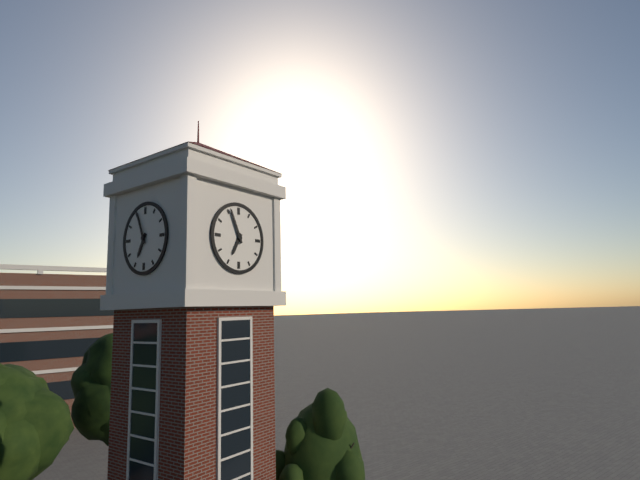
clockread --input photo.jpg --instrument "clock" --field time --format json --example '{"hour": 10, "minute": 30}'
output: {"hour": 6, "minute": 56}
